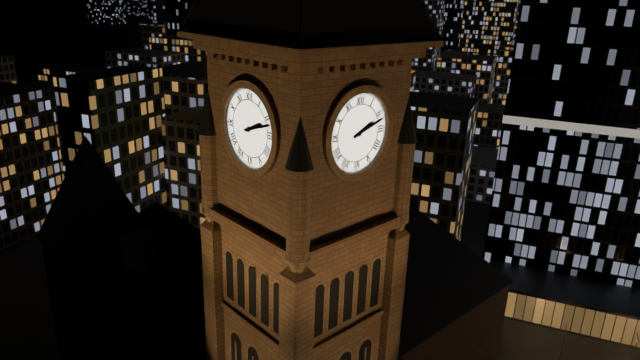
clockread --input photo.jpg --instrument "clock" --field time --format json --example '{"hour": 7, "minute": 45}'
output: {"hour": 2, "minute": 12}
